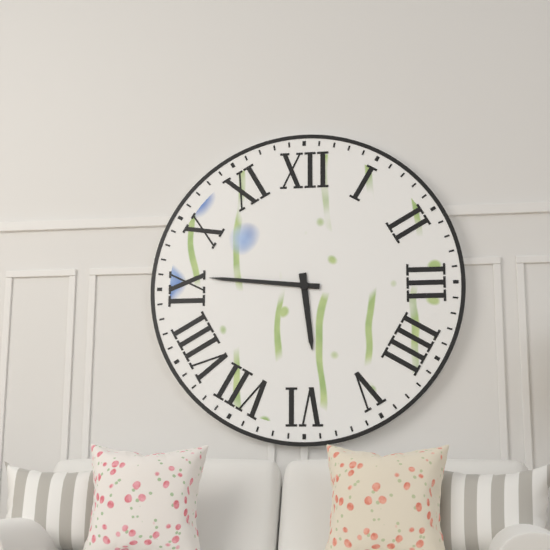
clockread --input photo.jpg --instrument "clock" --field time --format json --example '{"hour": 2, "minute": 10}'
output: {"hour": 5, "minute": 46}
